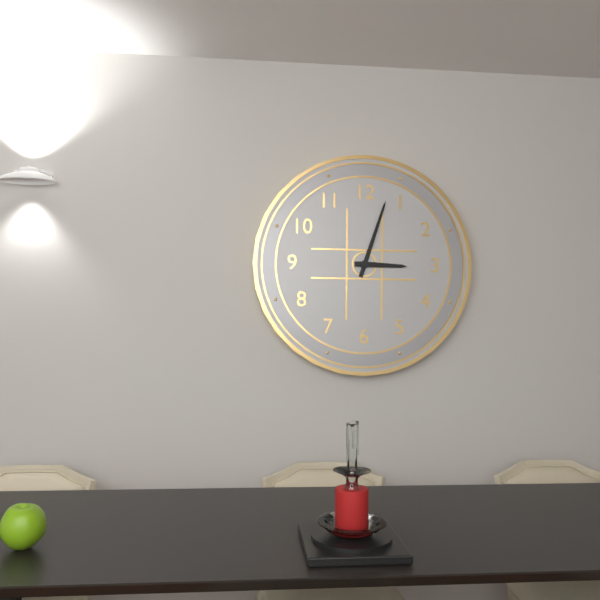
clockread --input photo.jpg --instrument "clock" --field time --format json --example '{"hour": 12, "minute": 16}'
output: {"hour": 3, "minute": 3}
